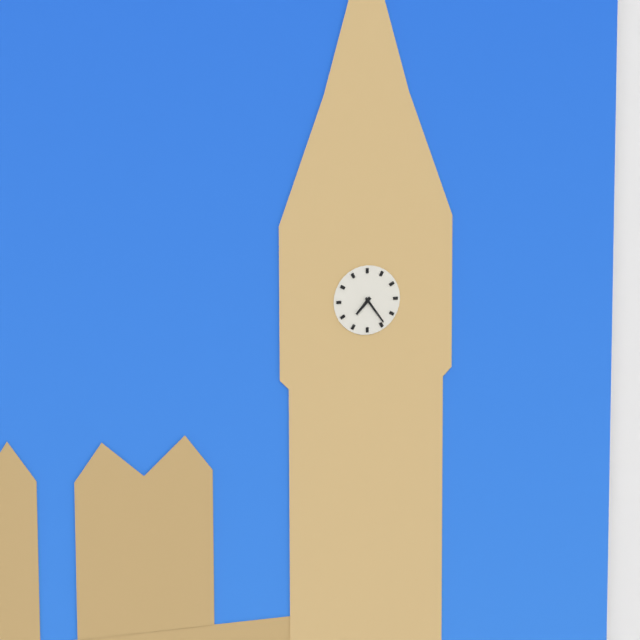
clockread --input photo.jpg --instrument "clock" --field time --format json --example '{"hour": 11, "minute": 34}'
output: {"hour": 7, "minute": 24}
